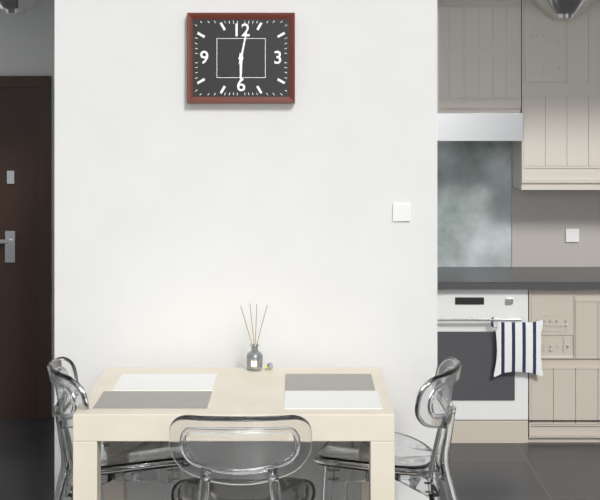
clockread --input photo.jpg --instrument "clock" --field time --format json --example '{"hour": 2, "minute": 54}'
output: {"hour": 6, "minute": 2}
